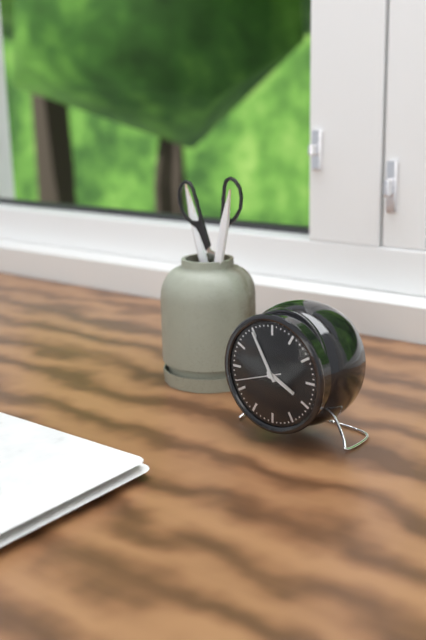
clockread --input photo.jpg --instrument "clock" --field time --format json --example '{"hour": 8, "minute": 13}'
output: {"hour": 3, "minute": 55}
